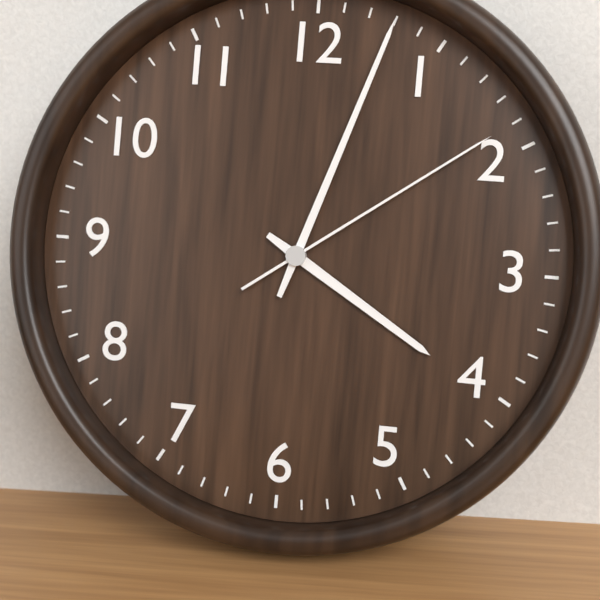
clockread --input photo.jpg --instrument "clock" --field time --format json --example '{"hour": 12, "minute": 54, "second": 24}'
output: {"hour": 4, "minute": 3, "second": 9}
